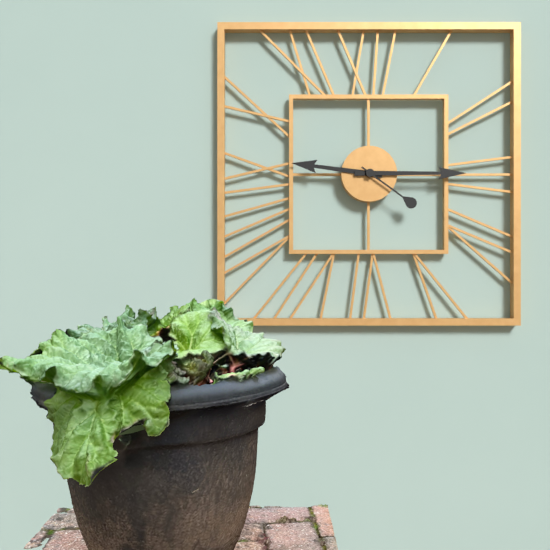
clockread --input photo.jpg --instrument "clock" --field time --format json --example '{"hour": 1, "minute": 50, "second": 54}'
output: {"hour": 9, "minute": 15, "second": 21}
